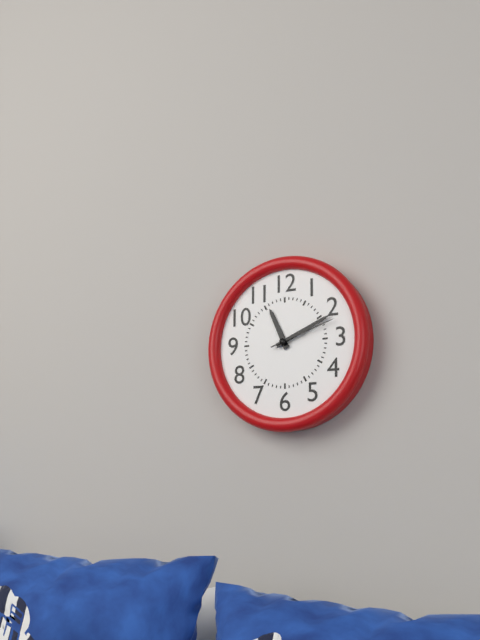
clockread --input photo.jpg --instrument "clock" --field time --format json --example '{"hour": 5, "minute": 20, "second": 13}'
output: {"hour": 11, "minute": 11, "second": 12}
